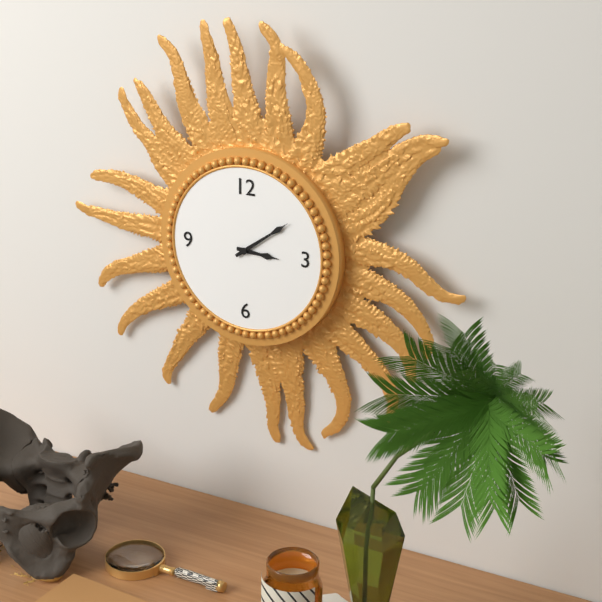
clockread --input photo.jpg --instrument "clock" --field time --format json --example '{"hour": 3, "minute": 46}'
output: {"hour": 3, "minute": 9}
